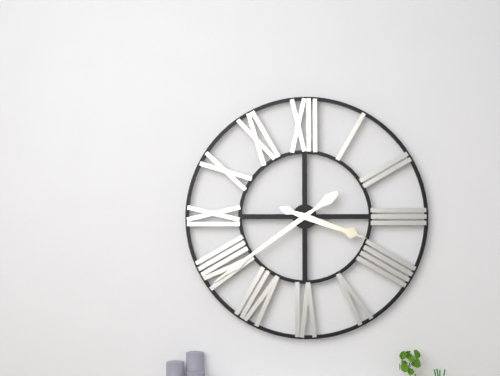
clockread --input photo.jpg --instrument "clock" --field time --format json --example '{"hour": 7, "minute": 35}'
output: {"hour": 3, "minute": 39}
